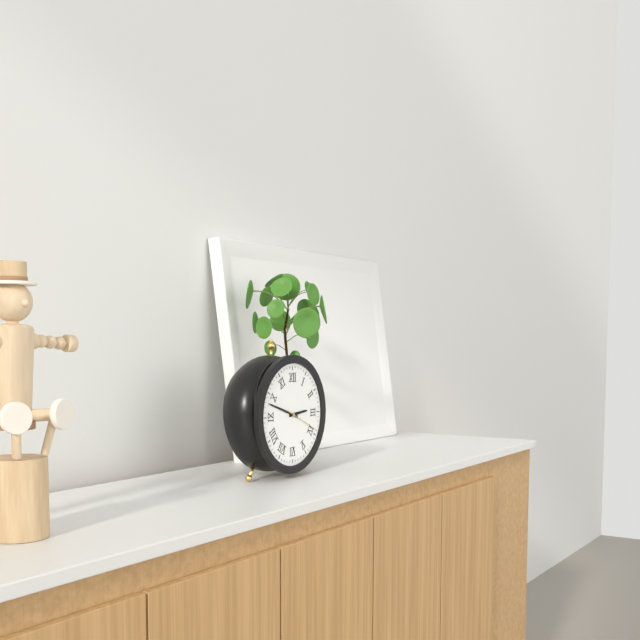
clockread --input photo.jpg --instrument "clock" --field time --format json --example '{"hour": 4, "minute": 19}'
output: {"hour": 2, "minute": 48}
